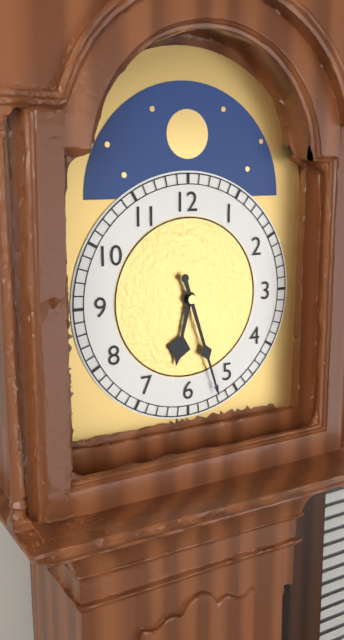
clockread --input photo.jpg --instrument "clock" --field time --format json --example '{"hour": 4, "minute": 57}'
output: {"hour": 6, "minute": 27}
